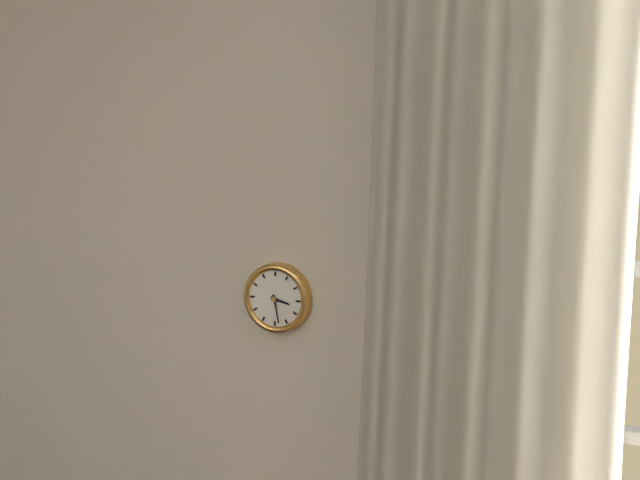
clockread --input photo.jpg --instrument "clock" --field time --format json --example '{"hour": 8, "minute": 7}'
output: {"hour": 3, "minute": 28}
